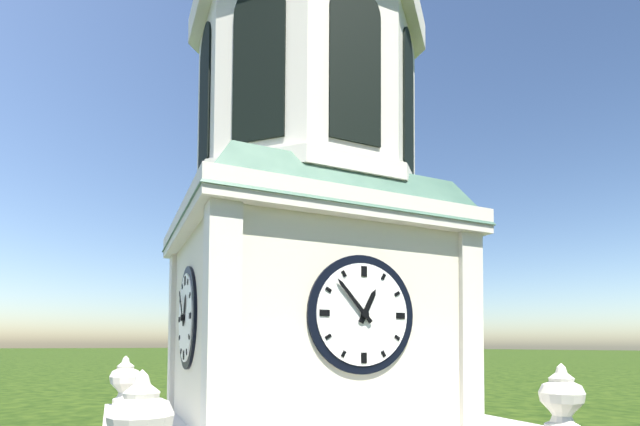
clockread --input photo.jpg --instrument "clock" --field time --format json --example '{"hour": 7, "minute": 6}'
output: {"hour": 12, "minute": 53}
